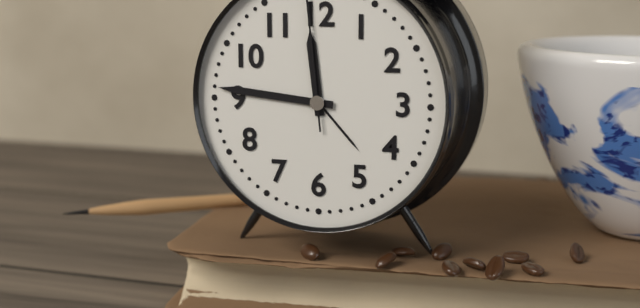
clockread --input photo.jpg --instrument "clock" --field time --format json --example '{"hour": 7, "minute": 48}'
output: {"hour": 11, "minute": 46}
